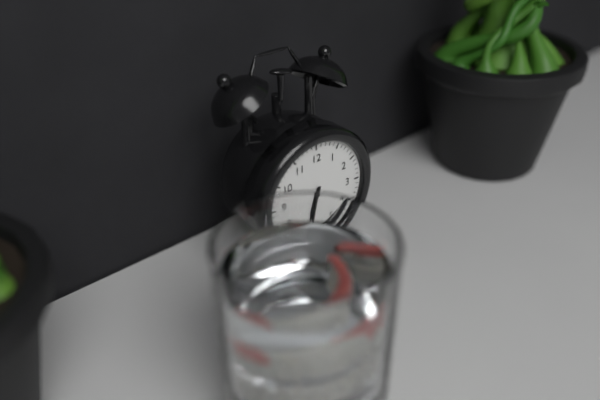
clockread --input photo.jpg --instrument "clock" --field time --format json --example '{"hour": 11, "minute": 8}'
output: {"hour": 6, "minute": 32}
